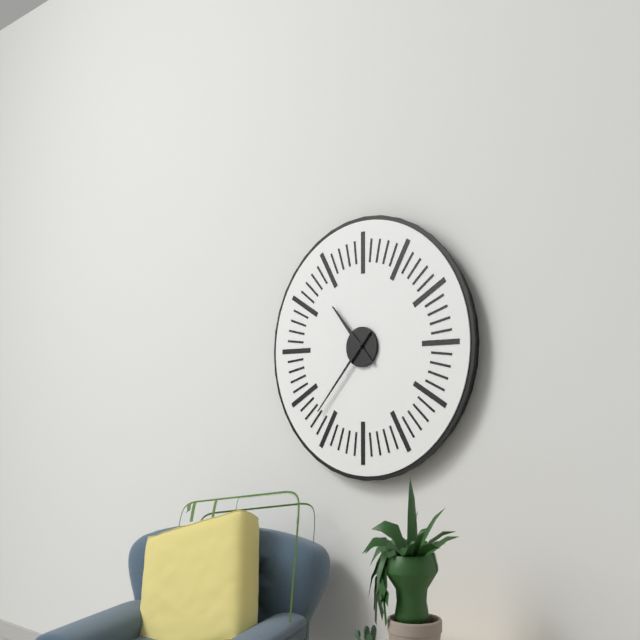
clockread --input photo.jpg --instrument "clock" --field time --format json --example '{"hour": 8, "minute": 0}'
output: {"hour": 10, "minute": 37}
